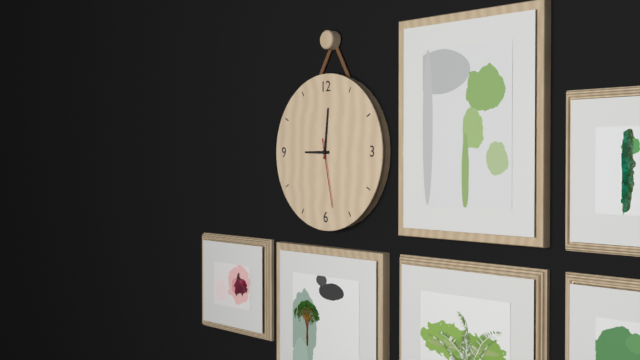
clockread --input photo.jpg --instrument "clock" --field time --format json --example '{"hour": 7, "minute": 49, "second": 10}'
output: {"hour": 9, "minute": 1, "second": 28}
